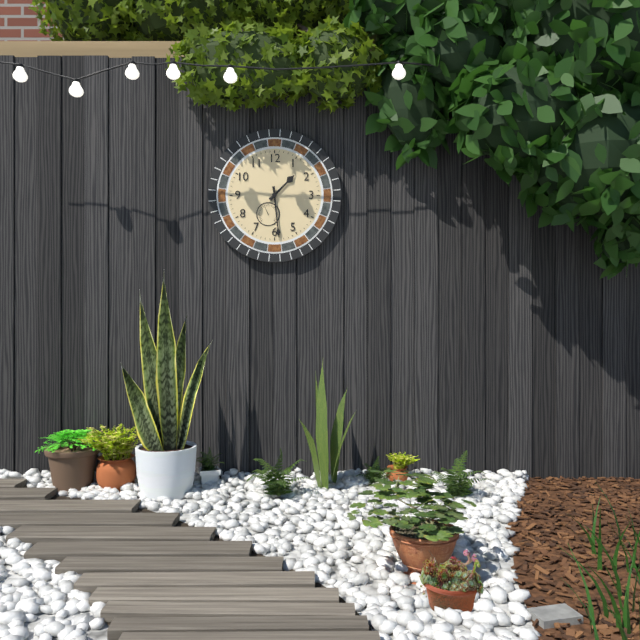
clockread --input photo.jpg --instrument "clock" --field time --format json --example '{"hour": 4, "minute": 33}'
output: {"hour": 1, "minute": 29}
